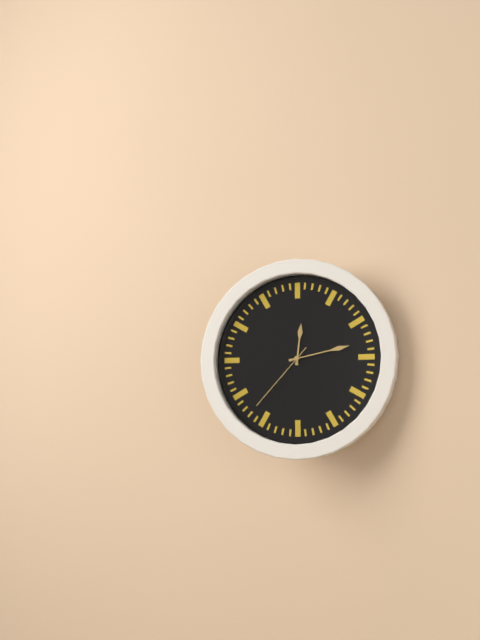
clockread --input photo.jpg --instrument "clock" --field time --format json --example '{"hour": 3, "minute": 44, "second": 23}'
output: {"hour": 12, "minute": 13, "second": 37}
